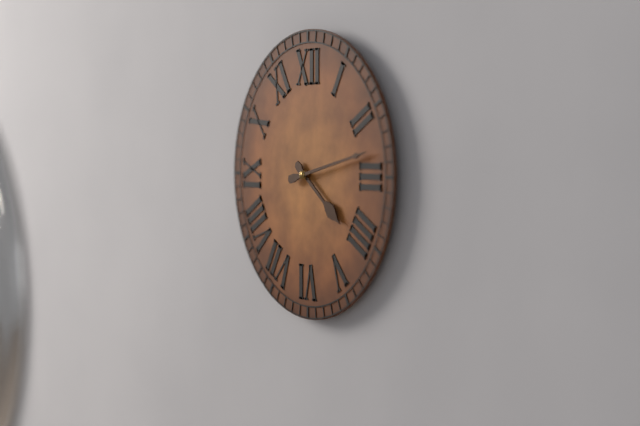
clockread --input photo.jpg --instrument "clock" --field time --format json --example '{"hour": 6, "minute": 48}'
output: {"hour": 4, "minute": 13}
